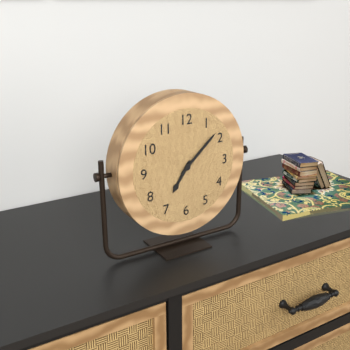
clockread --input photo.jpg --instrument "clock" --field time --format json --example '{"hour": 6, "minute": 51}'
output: {"hour": 7, "minute": 8}
